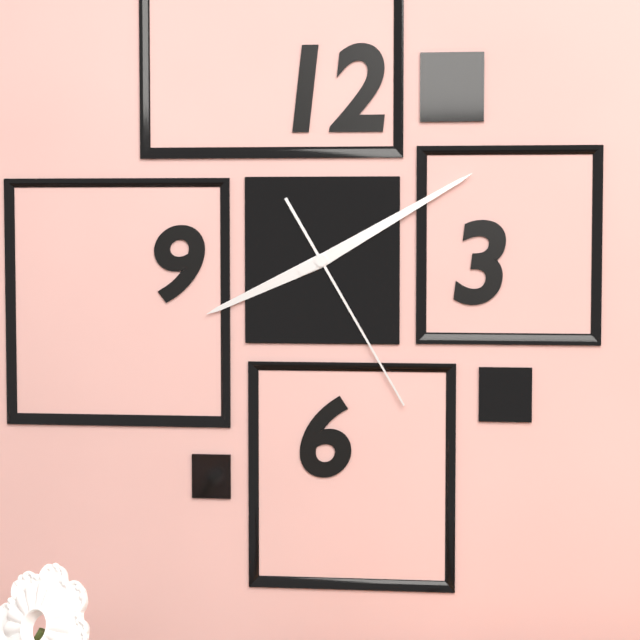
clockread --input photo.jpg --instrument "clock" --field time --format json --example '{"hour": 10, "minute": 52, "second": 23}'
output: {"hour": 8, "minute": 10, "second": 25}
